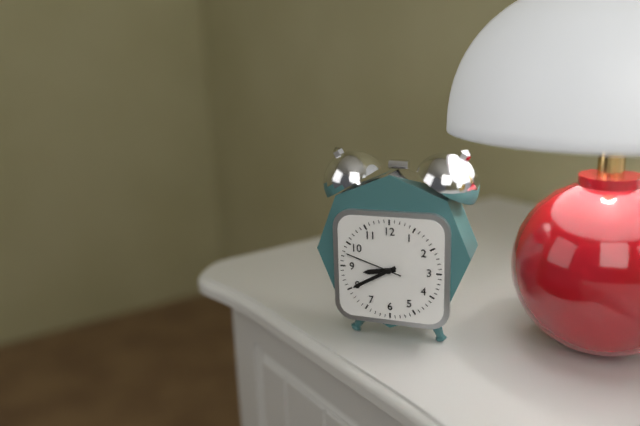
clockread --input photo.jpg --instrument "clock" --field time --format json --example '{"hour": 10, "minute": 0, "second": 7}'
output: {"hour": 8, "minute": 40, "second": 48}
